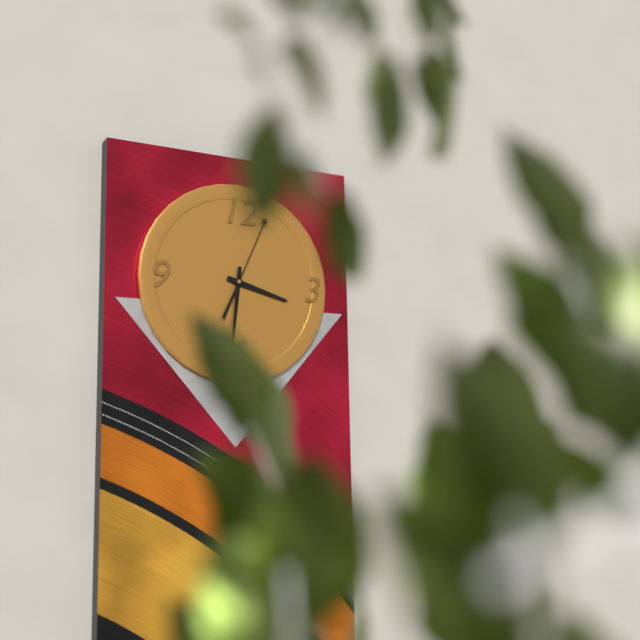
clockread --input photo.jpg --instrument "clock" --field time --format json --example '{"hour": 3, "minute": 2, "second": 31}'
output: {"hour": 3, "minute": 31, "second": 4}
